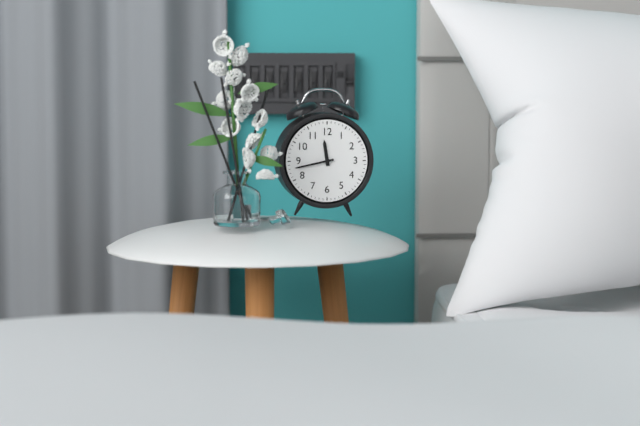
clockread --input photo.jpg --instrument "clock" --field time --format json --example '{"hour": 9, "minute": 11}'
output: {"hour": 11, "minute": 43}
